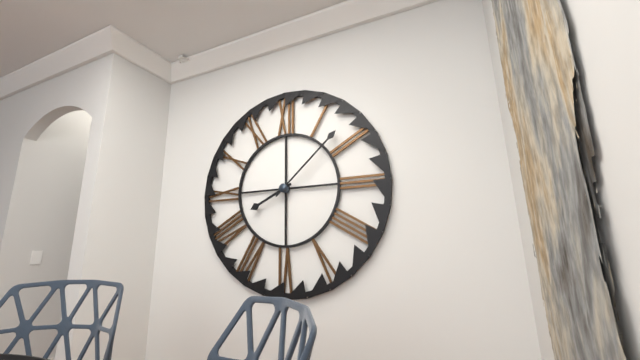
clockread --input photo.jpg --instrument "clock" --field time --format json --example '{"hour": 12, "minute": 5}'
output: {"hour": 8, "minute": 8}
